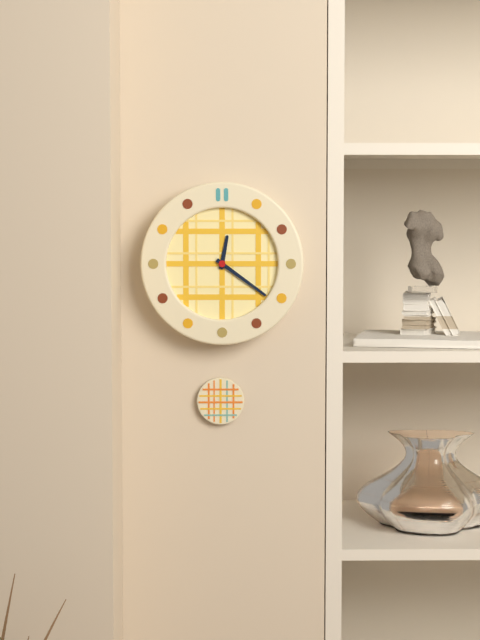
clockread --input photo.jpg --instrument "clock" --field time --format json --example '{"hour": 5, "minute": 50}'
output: {"hour": 12, "minute": 21}
